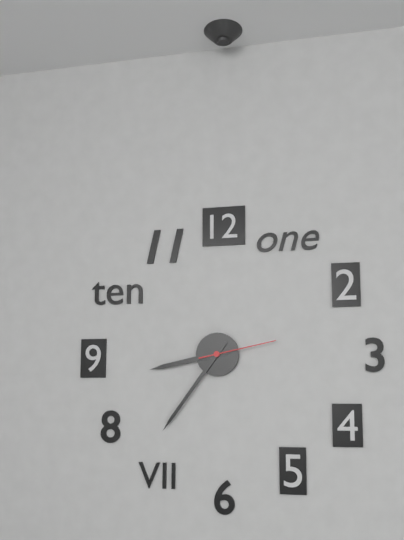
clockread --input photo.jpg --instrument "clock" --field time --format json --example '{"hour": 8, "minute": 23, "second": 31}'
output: {"hour": 8, "minute": 36, "second": 13}
